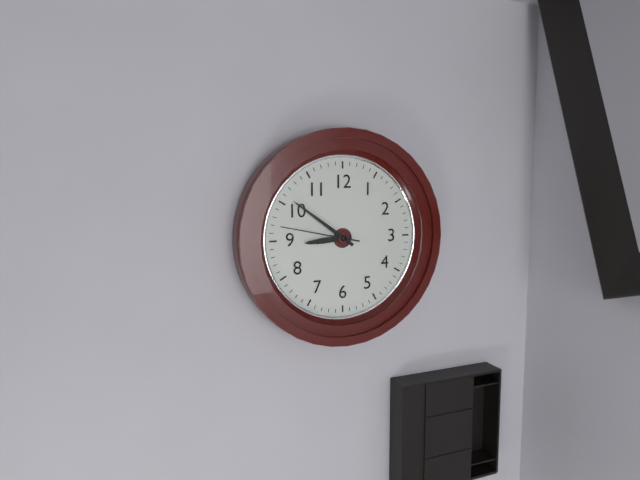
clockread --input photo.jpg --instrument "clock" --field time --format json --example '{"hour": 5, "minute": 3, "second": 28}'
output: {"hour": 8, "minute": 51, "second": 47}
